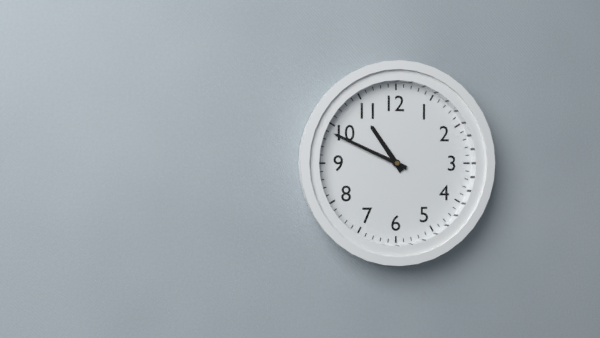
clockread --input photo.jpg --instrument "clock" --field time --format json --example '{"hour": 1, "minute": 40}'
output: {"hour": 10, "minute": 49}
